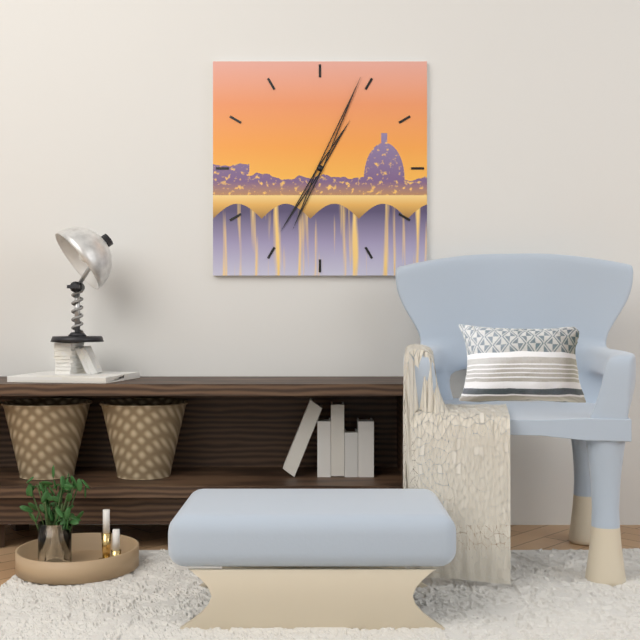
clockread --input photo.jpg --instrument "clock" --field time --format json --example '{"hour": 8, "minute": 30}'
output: {"hour": 7, "minute": 4}
